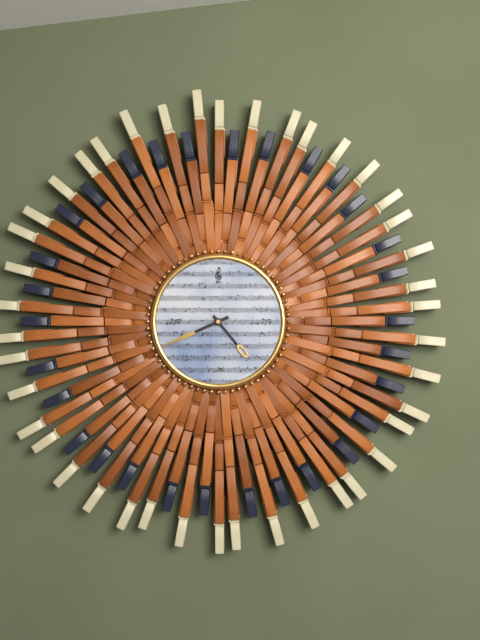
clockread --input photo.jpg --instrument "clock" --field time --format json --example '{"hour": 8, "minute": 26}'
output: {"hour": 4, "minute": 41}
